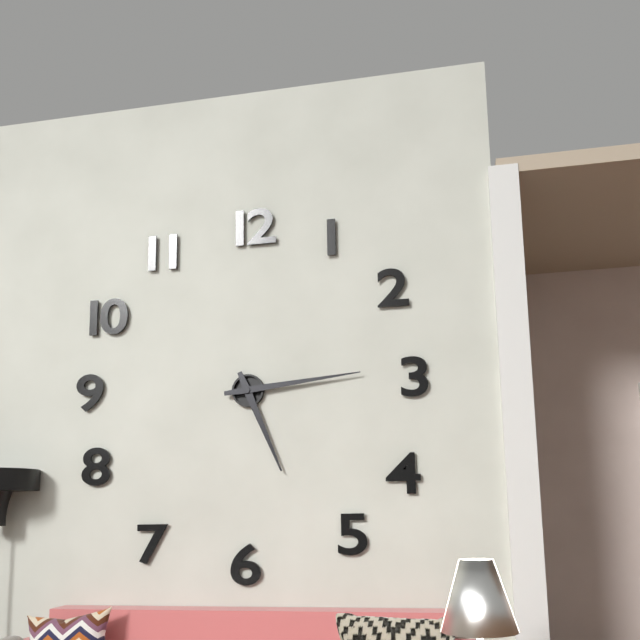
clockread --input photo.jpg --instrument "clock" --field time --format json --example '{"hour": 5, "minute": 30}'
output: {"hour": 5, "minute": 14}
